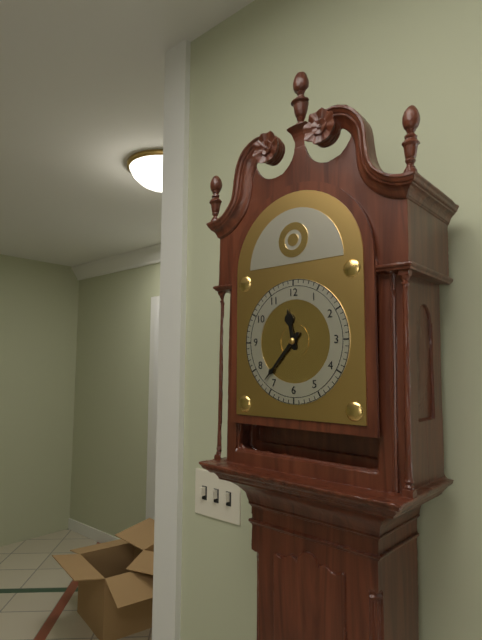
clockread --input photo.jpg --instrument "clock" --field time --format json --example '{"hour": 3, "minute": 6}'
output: {"hour": 11, "minute": 37}
